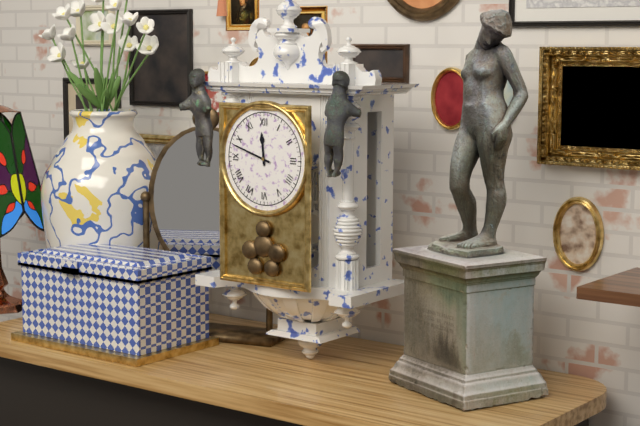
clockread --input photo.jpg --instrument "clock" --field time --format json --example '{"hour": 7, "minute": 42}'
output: {"hour": 11, "minute": 48}
